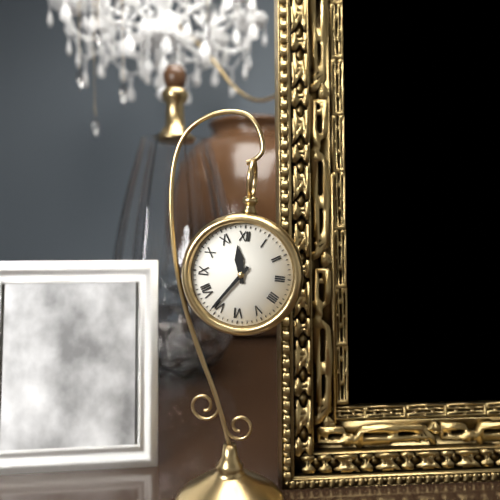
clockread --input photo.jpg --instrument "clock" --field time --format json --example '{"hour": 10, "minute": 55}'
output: {"hour": 11, "minute": 36}
